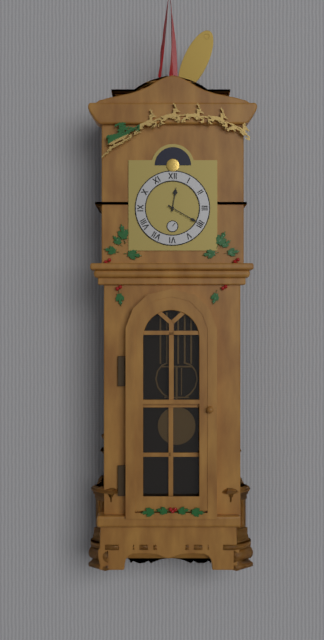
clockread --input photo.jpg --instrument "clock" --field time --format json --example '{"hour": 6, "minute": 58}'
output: {"hour": 12, "minute": 20}
